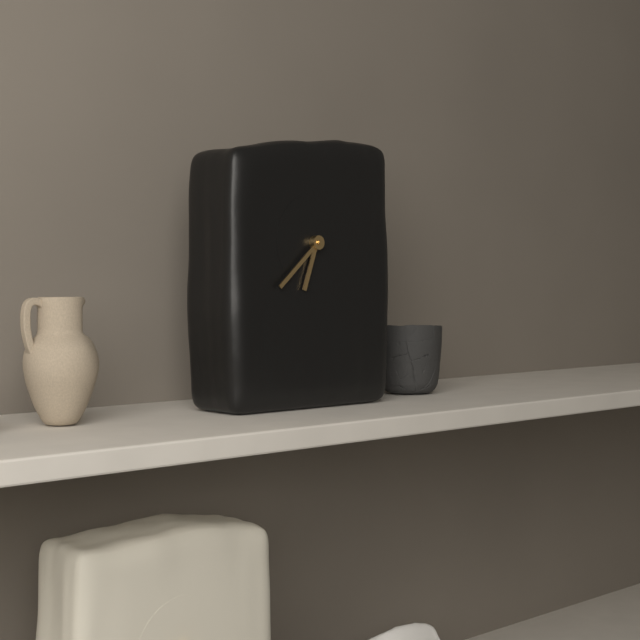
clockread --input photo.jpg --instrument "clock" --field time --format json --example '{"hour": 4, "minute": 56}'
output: {"hour": 6, "minute": 38}
